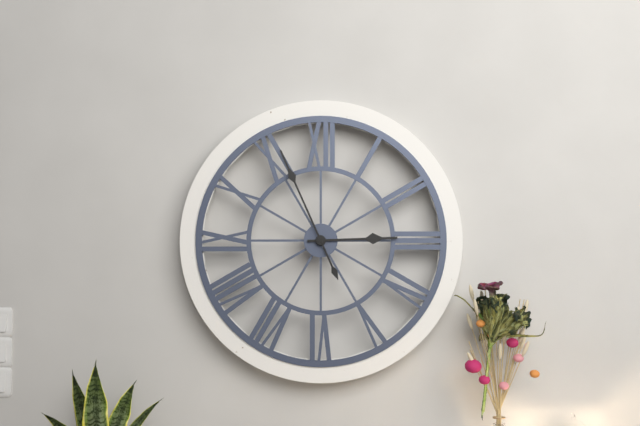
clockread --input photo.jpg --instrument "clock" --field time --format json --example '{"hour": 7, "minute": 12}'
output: {"hour": 2, "minute": 56}
